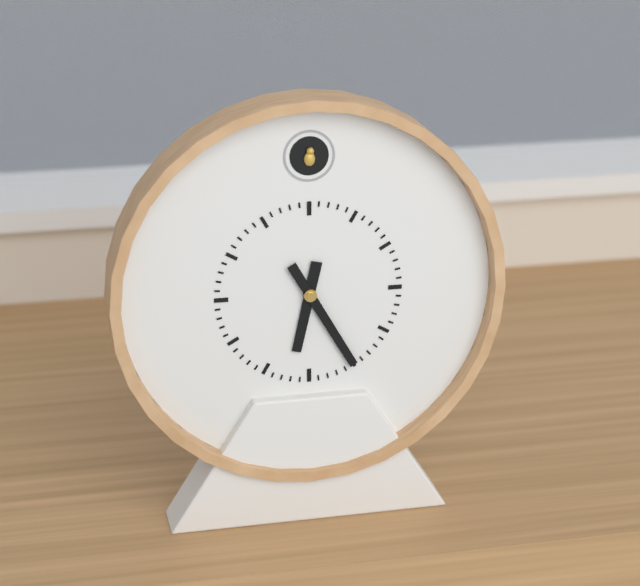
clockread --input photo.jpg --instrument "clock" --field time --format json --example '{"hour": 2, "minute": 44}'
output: {"hour": 6, "minute": 25}
